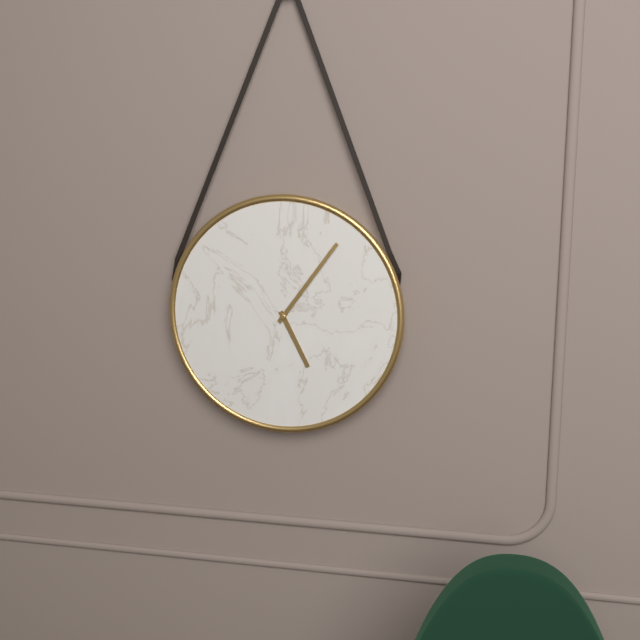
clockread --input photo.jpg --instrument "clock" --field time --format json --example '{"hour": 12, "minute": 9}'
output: {"hour": 5, "minute": 6}
